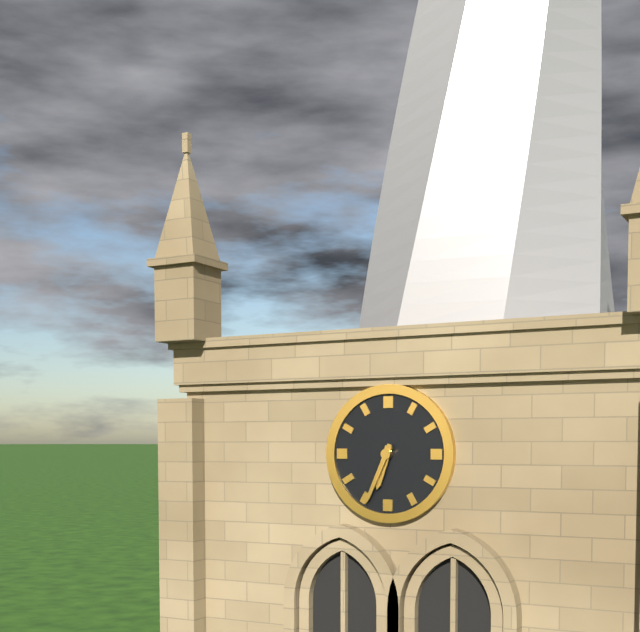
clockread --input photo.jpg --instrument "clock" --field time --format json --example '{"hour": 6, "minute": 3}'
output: {"hour": 6, "minute": 34}
